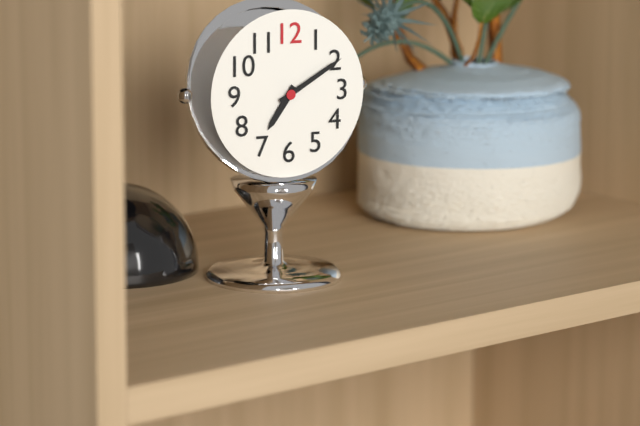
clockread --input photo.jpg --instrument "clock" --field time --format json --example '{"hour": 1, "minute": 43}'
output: {"hour": 7, "minute": 10}
